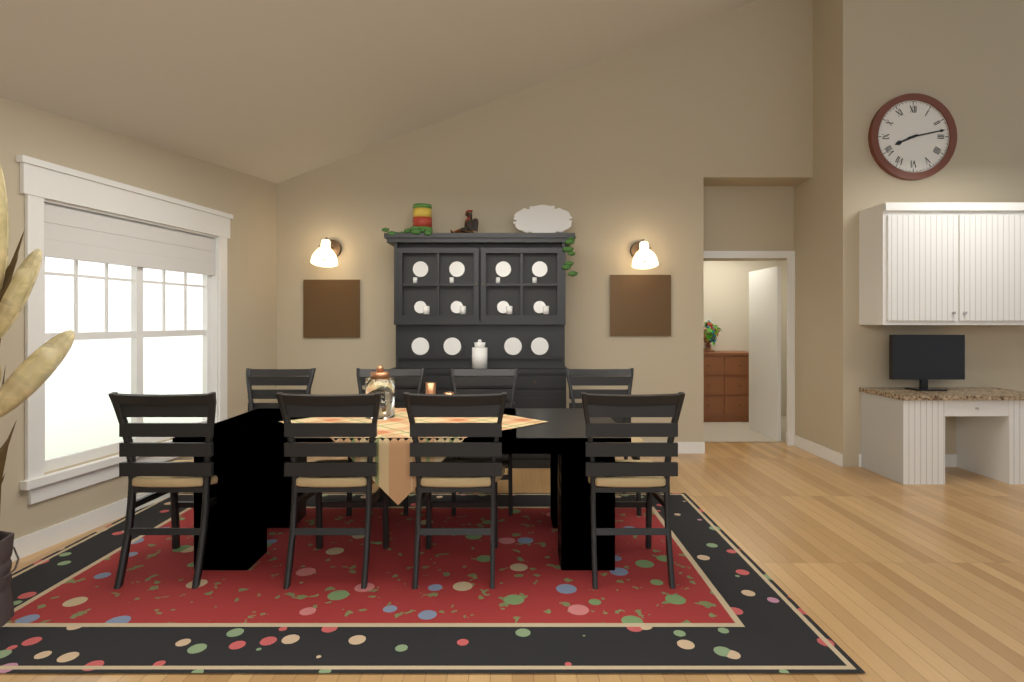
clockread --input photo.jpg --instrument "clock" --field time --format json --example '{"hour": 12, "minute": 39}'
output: {"hour": 8, "minute": 13}
